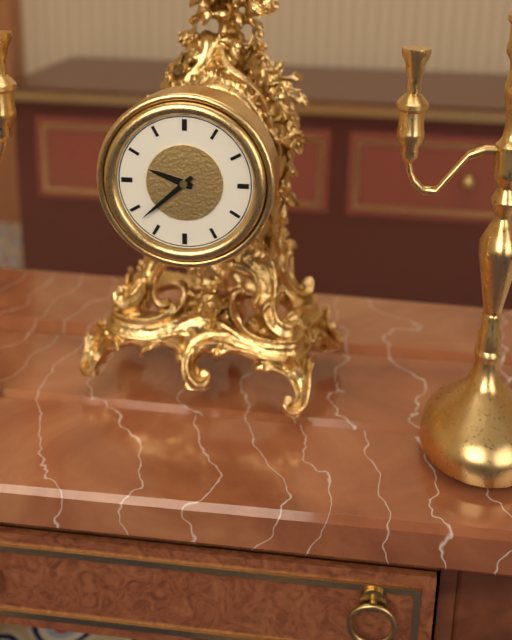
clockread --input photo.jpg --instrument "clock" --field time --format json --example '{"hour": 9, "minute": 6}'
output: {"hour": 9, "minute": 38}
